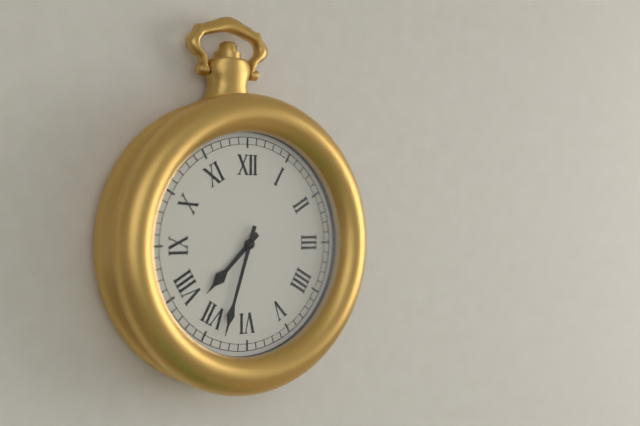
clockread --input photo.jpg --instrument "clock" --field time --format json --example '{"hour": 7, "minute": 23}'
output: {"hour": 7, "minute": 33}
